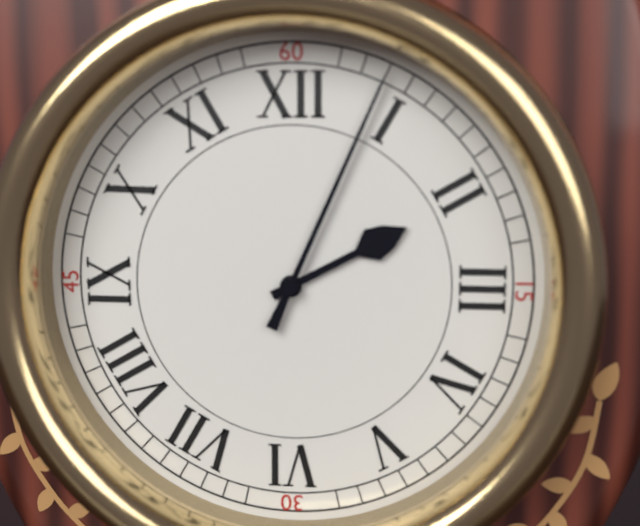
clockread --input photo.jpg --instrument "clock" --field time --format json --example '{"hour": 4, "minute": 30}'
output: {"hour": 2, "minute": 4}
